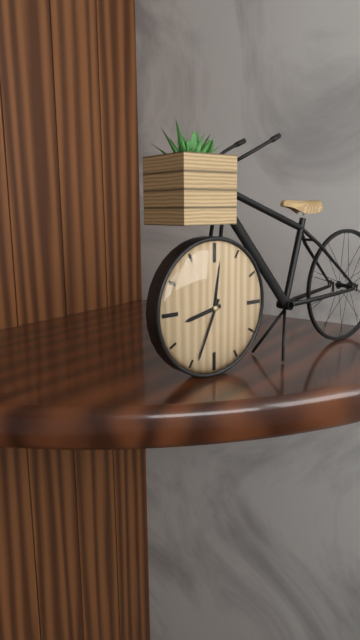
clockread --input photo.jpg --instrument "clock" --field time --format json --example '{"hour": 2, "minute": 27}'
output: {"hour": 8, "minute": 34}
